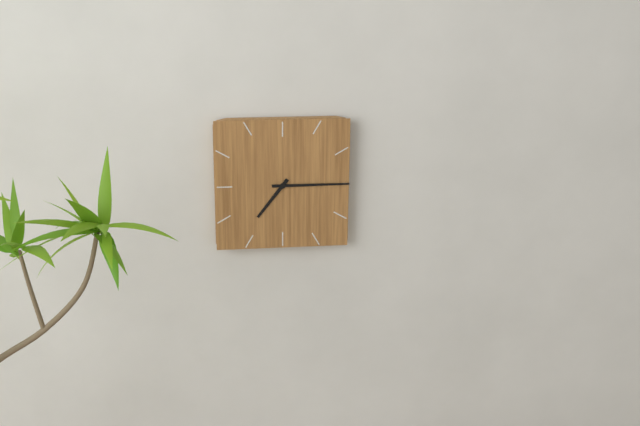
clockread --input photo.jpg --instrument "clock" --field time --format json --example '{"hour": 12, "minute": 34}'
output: {"hour": 7, "minute": 15}
